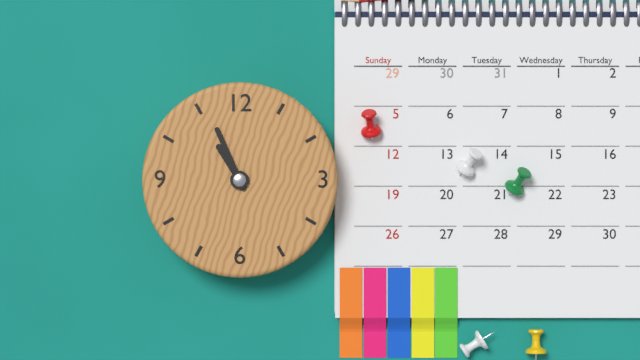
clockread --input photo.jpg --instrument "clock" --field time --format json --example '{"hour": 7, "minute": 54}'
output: {"hour": 10, "minute": 56}
